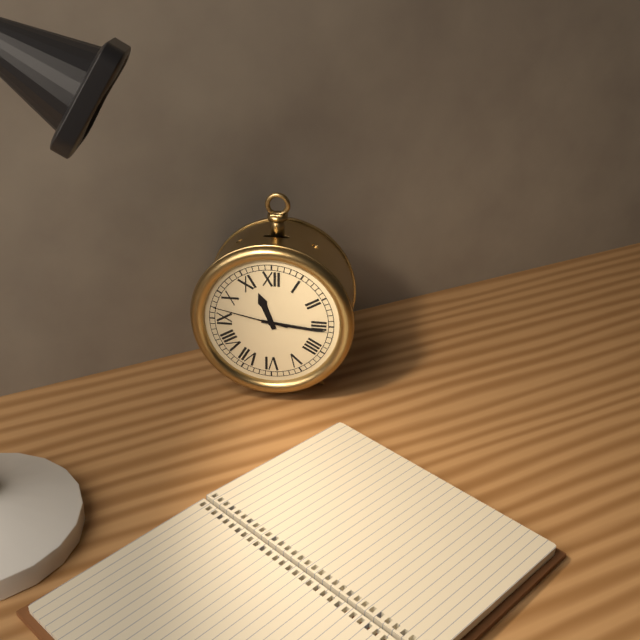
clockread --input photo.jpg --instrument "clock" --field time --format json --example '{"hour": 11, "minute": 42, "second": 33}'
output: {"hour": 11, "minute": 16, "second": 47}
